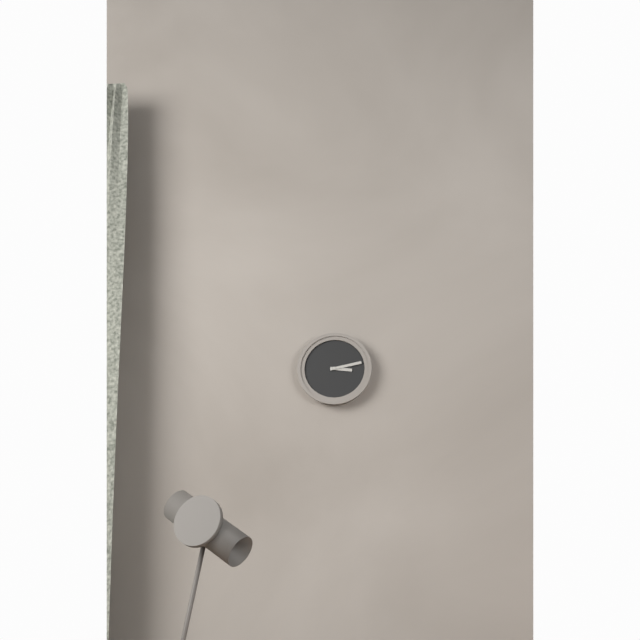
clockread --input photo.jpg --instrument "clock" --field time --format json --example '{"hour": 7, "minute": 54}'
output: {"hour": 3, "minute": 13}
